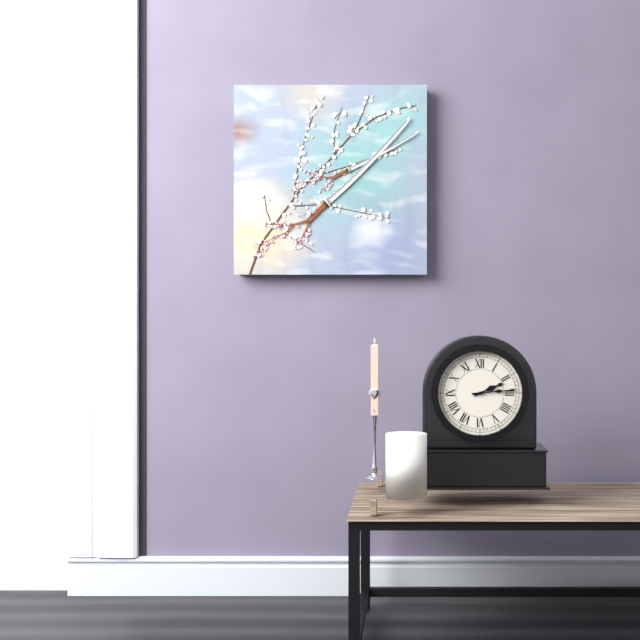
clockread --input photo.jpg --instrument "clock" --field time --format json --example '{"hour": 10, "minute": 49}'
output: {"hour": 2, "minute": 14}
